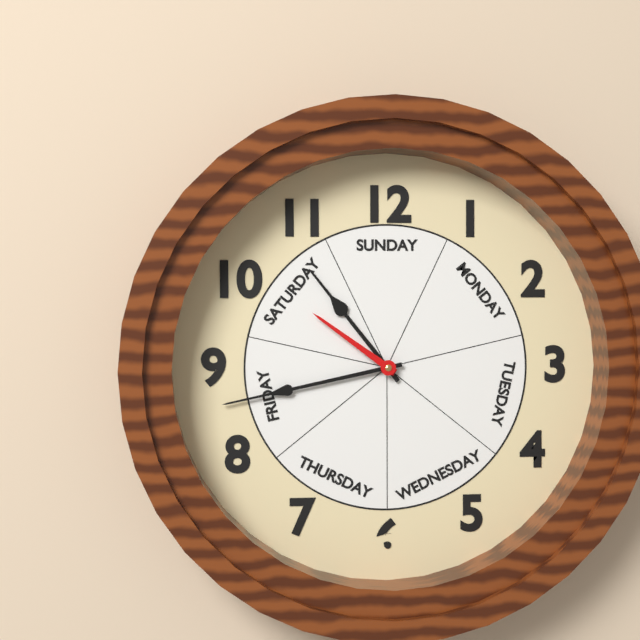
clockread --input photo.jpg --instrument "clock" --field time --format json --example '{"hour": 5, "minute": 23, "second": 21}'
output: {"hour": 10, "minute": 43, "second": 51}
